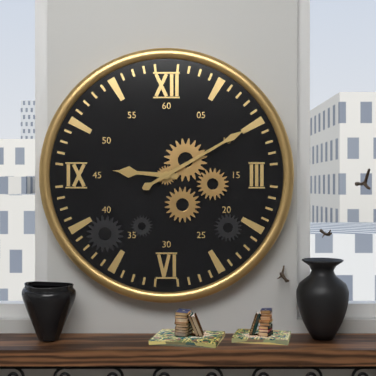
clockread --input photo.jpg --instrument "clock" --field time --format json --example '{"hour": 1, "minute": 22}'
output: {"hour": 9, "minute": 10}
